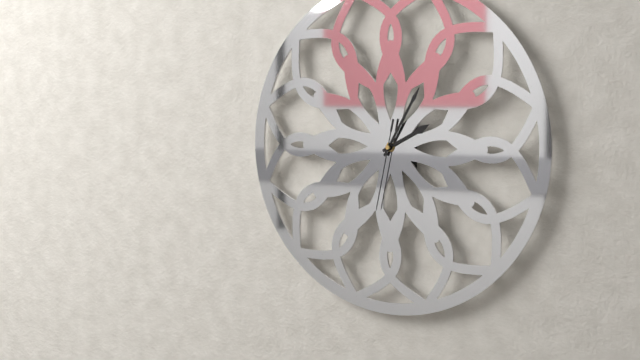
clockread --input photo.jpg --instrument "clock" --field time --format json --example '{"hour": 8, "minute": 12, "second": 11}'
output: {"hour": 2, "minute": 5, "second": 32}
